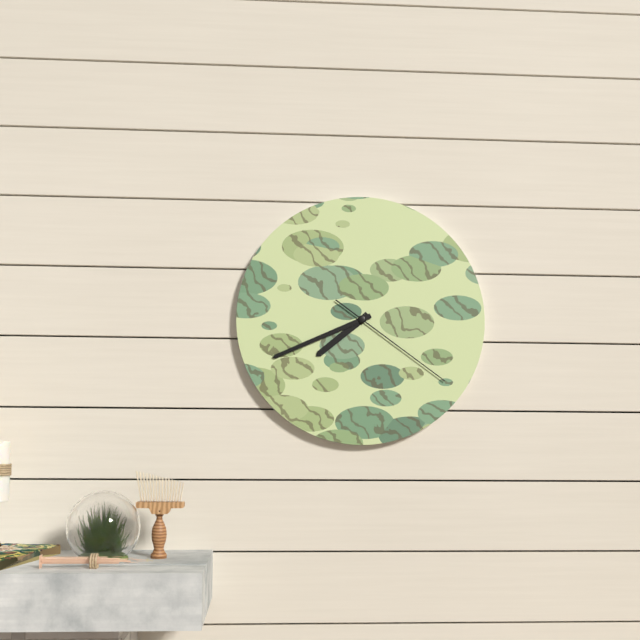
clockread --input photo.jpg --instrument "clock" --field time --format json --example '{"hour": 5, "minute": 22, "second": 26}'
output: {"hour": 7, "minute": 41, "second": 21}
